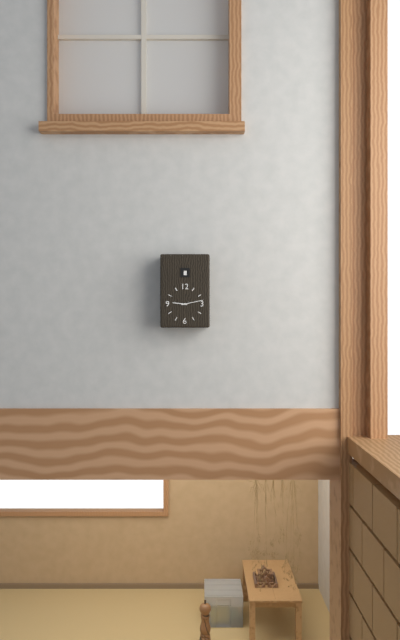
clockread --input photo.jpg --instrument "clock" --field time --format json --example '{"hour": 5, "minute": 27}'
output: {"hour": 9, "minute": 13}
